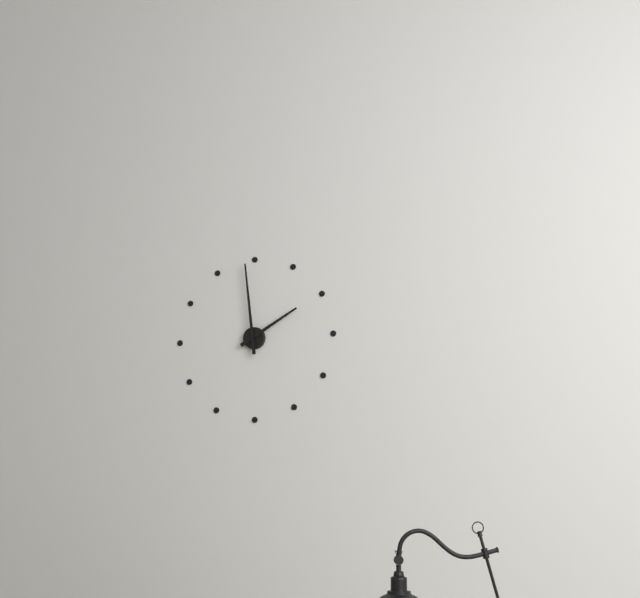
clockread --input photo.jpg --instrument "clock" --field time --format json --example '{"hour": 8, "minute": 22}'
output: {"hour": 1, "minute": 59}
